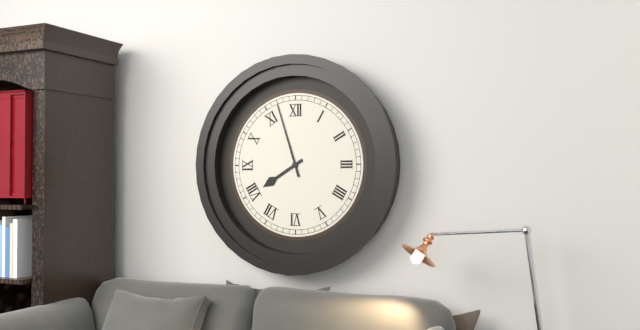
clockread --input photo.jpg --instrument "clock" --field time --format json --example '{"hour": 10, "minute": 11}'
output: {"hour": 7, "minute": 57}
